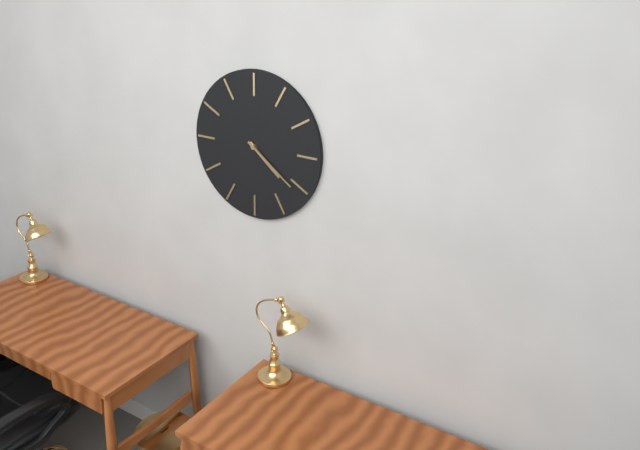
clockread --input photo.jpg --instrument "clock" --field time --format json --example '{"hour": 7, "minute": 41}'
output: {"hour": 4, "minute": 21}
